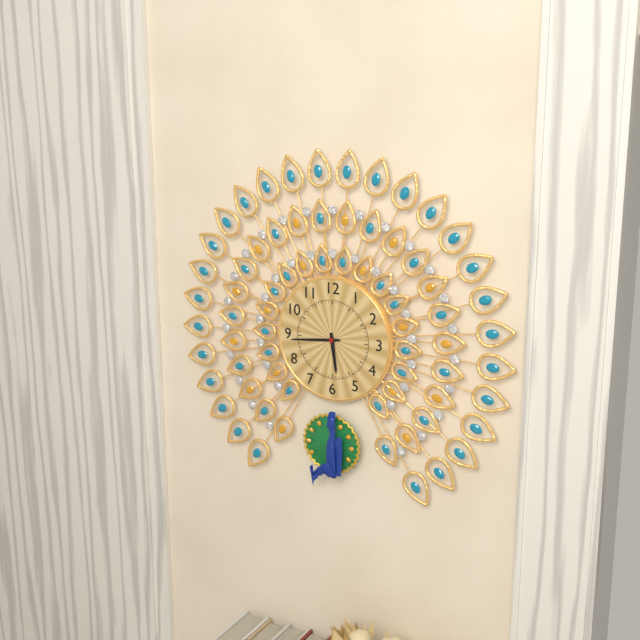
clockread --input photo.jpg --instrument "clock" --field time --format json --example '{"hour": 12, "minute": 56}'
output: {"hour": 5, "minute": 44}
